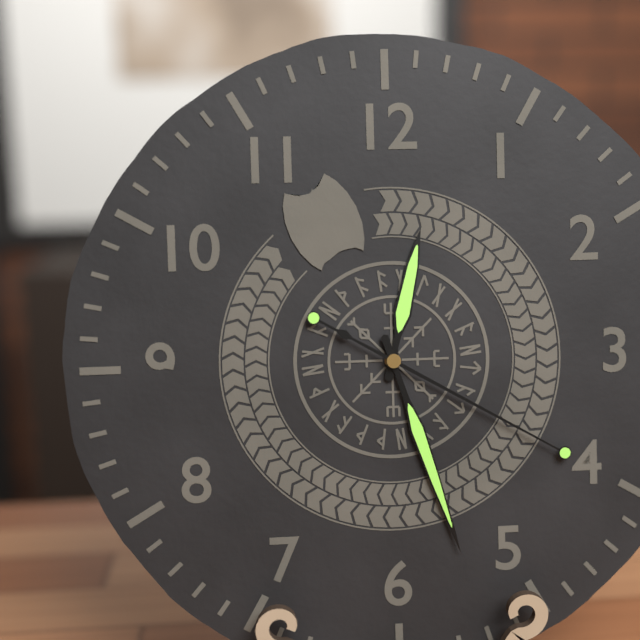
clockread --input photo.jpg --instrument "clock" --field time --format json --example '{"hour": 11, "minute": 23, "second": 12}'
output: {"hour": 12, "minute": 27, "second": 20}
